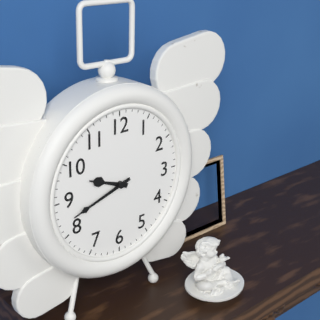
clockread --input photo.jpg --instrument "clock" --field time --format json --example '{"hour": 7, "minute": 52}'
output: {"hour": 9, "minute": 42}
